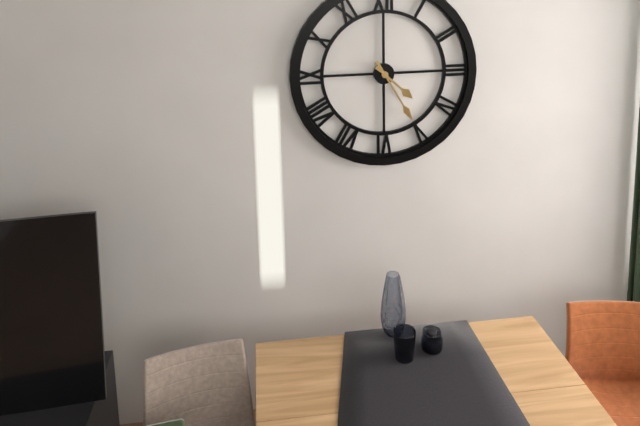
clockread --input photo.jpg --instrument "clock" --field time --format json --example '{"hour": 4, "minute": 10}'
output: {"hour": 4, "minute": 25}
